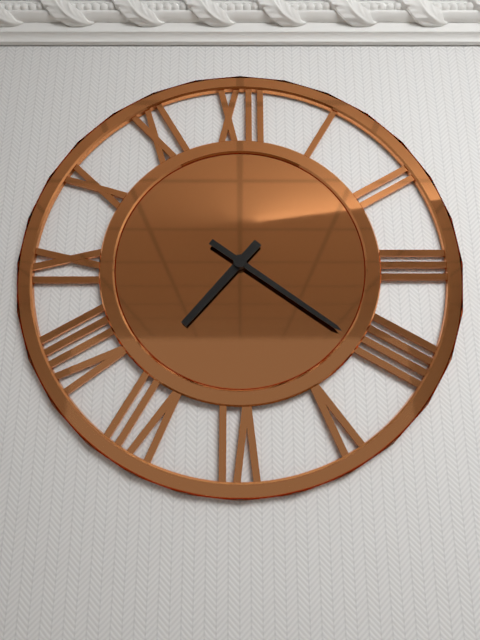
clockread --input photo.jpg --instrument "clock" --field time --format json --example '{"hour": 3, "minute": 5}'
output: {"hour": 7, "minute": 21}
